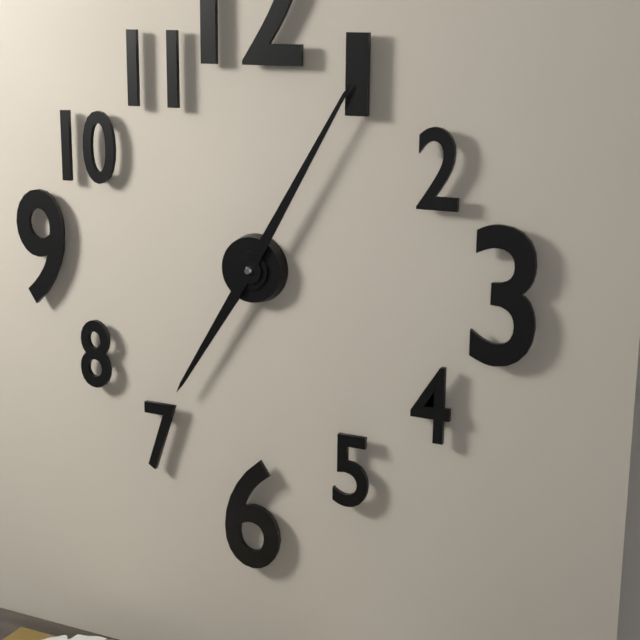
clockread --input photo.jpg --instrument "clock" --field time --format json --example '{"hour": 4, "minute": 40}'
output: {"hour": 7, "minute": 5}
